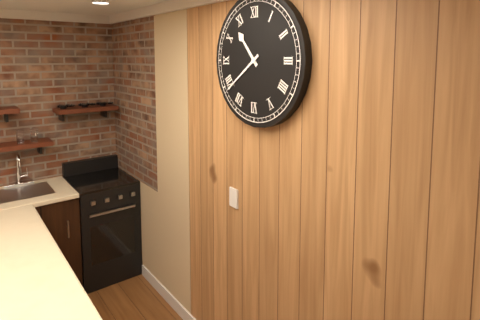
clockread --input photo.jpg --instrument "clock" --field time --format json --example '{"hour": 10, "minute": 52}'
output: {"hour": 10, "minute": 39}
